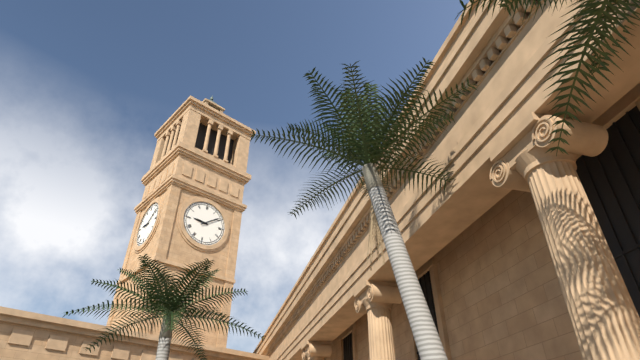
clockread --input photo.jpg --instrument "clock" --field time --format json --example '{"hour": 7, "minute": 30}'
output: {"hour": 9, "minute": 9}
